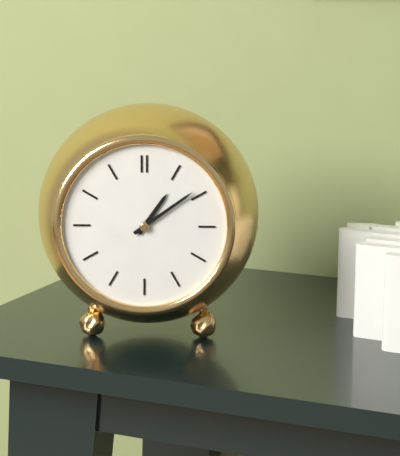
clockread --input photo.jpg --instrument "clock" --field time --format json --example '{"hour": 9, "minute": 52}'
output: {"hour": 1, "minute": 9}
